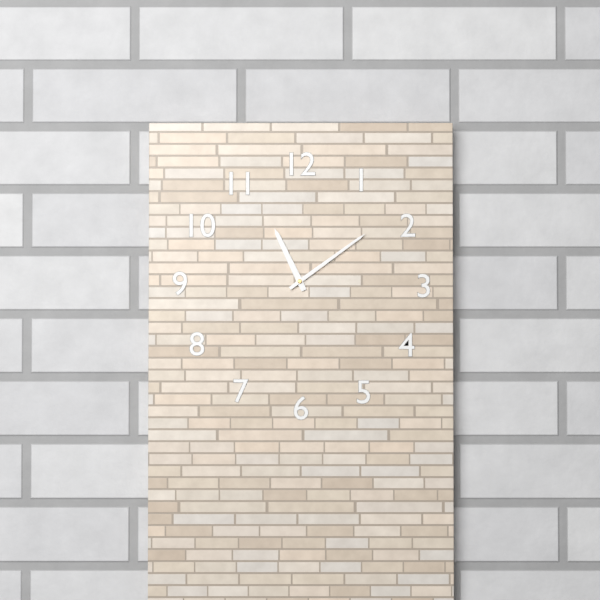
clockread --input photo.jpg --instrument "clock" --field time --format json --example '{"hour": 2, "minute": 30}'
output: {"hour": 11, "minute": 9}
